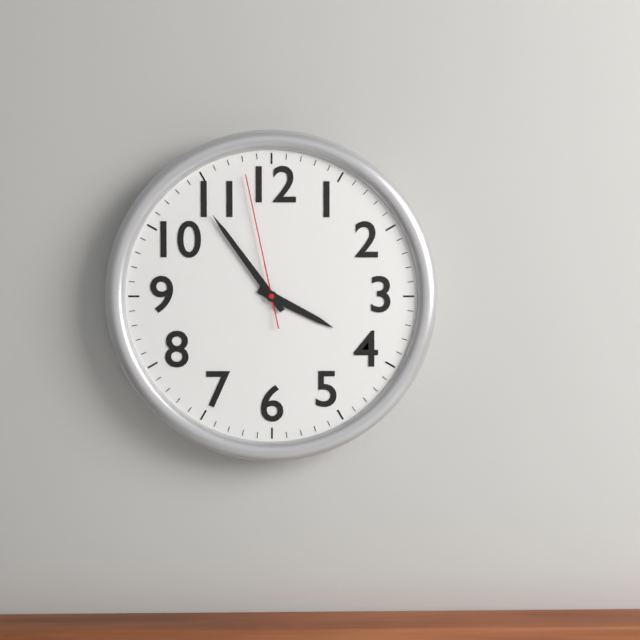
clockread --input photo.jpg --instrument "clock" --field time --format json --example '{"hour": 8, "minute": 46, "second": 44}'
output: {"hour": 3, "minute": 54, "second": 58}
